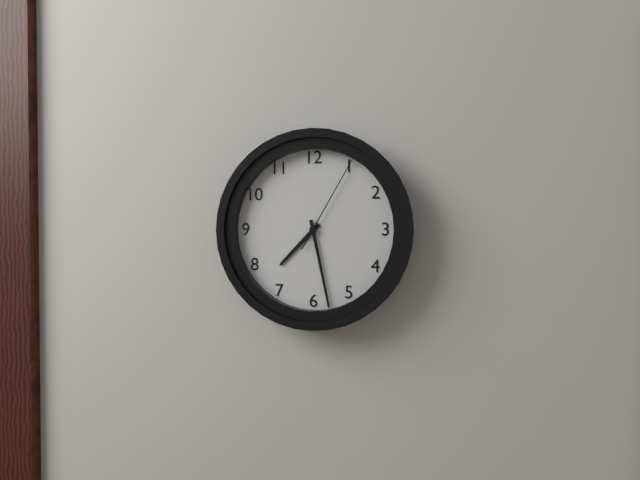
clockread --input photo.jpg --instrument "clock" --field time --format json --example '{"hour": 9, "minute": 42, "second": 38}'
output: {"hour": 7, "minute": 28, "second": 5}
